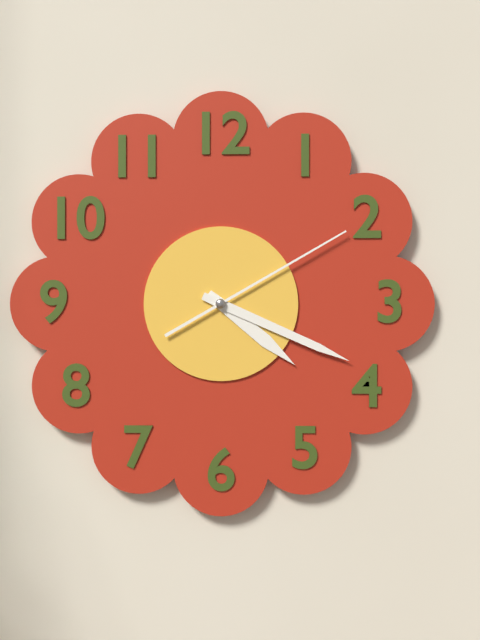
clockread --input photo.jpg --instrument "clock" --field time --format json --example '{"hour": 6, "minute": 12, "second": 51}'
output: {"hour": 4, "minute": 19, "second": 10}
